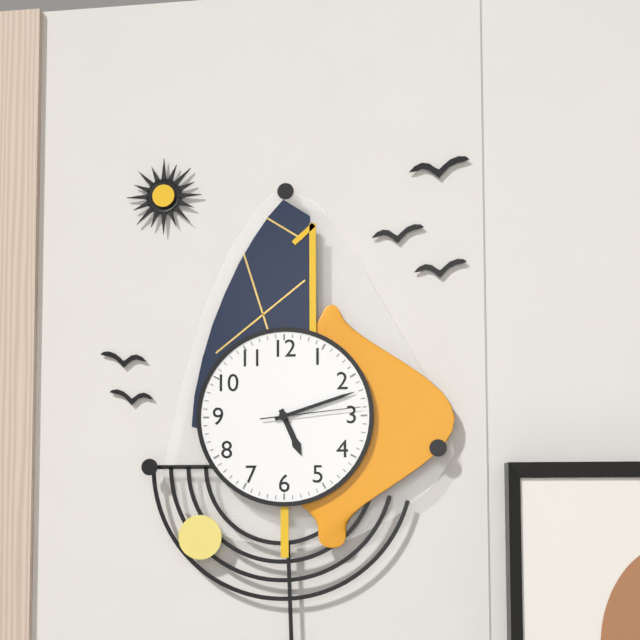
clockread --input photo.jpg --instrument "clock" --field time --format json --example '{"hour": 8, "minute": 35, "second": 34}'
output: {"hour": 5, "minute": 12, "second": 14}
